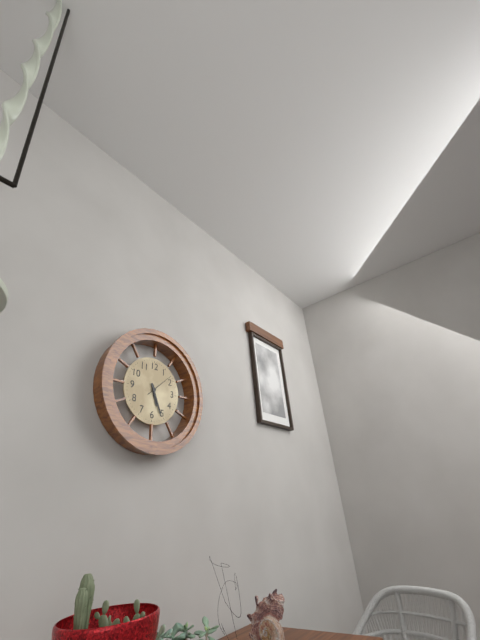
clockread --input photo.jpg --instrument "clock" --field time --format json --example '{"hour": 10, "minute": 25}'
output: {"hour": 5, "minute": 26}
